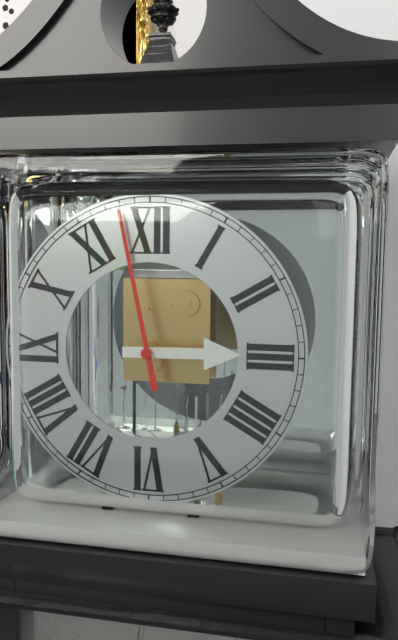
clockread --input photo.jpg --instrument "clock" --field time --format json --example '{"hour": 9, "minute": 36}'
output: {"hour": 2, "minute": 58}
